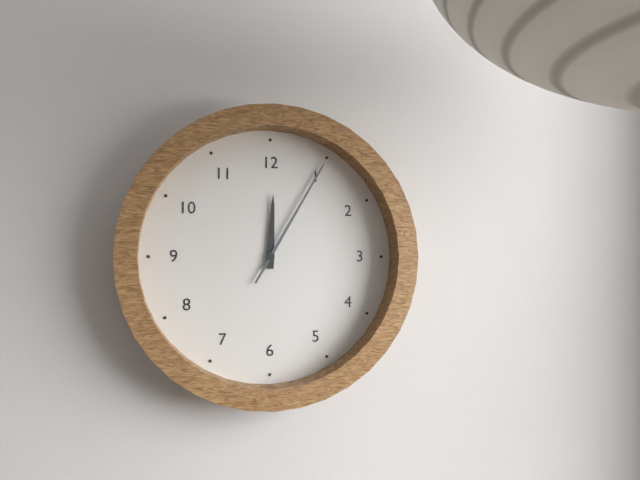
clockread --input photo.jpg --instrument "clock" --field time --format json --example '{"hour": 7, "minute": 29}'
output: {"hour": 12, "minute": 5}
